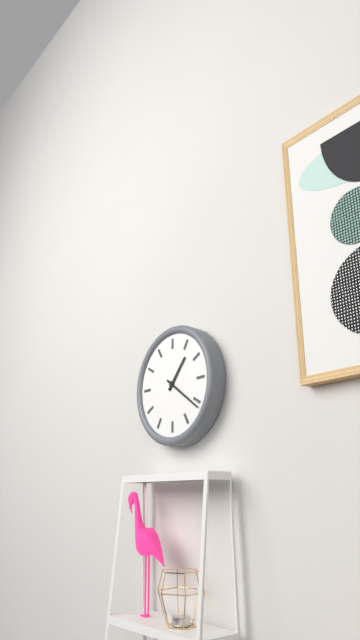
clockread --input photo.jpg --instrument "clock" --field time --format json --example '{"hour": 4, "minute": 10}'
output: {"hour": 1, "minute": 21}
